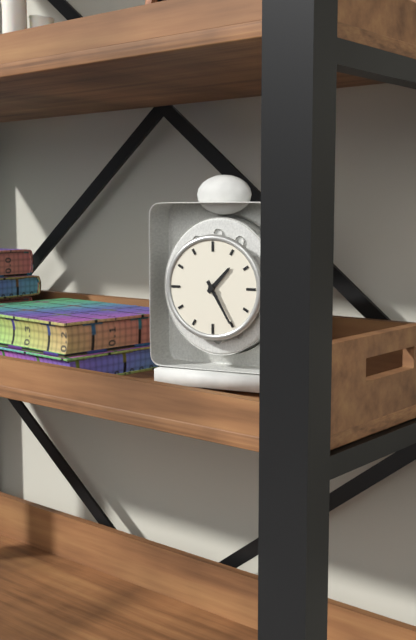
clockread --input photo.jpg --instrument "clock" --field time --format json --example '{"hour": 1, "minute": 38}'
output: {"hour": 1, "minute": 25}
